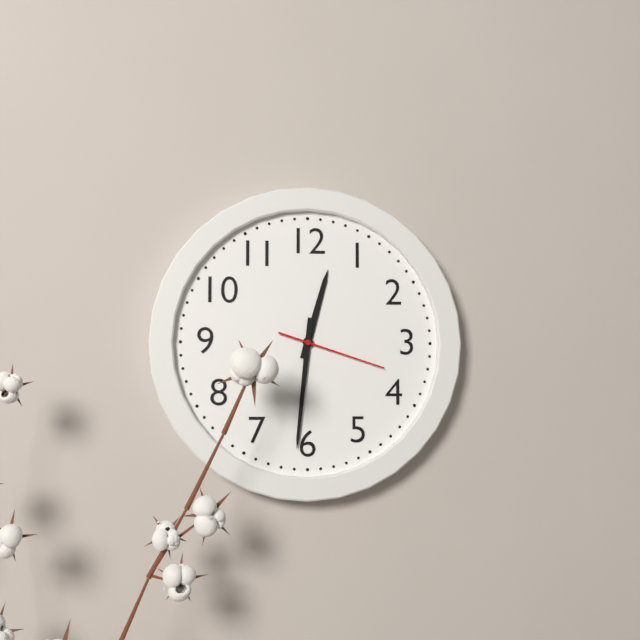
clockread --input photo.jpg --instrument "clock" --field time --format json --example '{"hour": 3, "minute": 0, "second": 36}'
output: {"hour": 12, "minute": 31, "second": 18}
